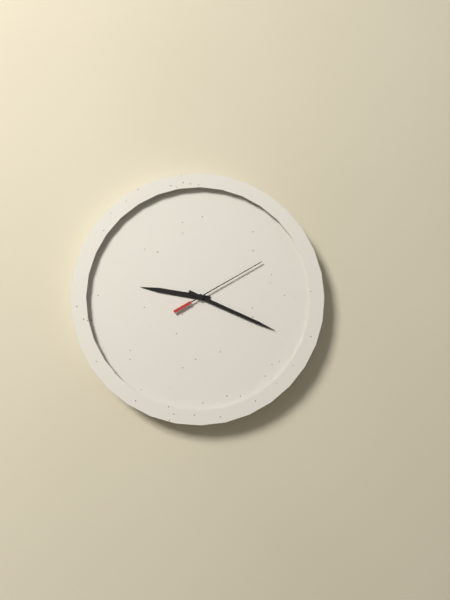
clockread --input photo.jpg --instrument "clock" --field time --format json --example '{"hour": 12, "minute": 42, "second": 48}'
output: {"hour": 9, "minute": 19, "second": 10}
